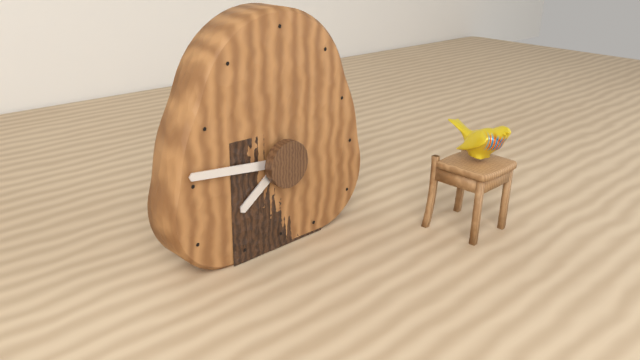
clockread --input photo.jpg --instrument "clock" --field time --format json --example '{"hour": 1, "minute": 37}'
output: {"hour": 7, "minute": 46}
